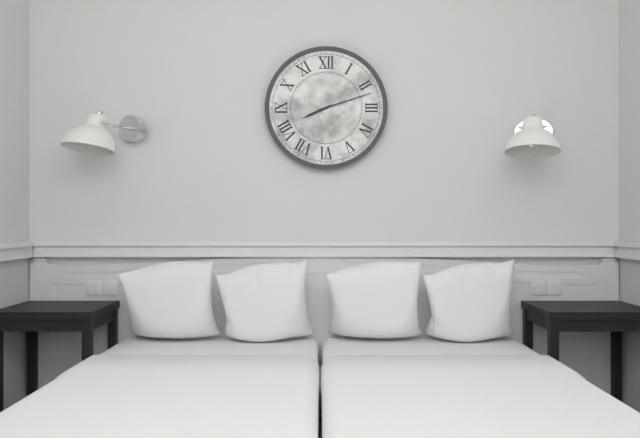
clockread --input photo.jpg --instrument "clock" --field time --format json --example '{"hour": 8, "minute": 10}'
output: {"hour": 8, "minute": 12}
